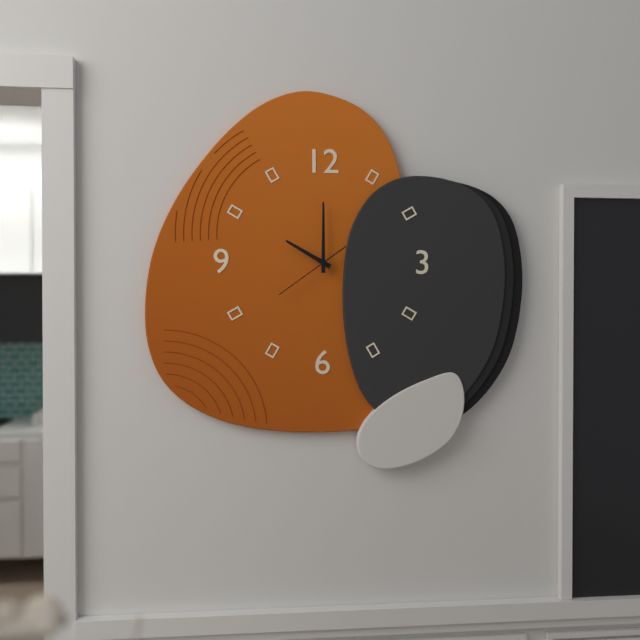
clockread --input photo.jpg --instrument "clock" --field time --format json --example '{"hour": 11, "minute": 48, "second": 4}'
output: {"hour": 10, "minute": 0, "second": 39}
